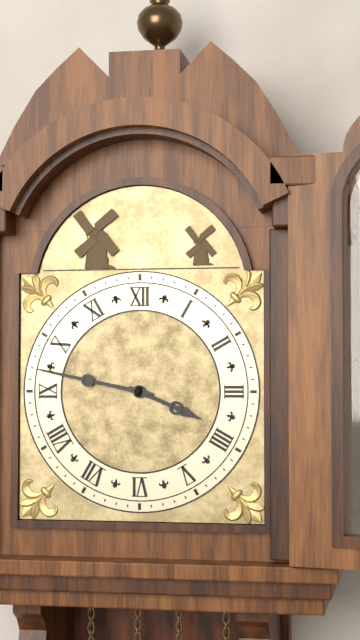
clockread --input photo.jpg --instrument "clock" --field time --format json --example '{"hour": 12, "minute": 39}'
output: {"hour": 3, "minute": 47}
